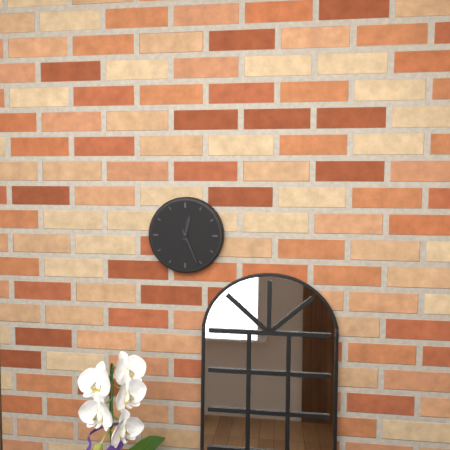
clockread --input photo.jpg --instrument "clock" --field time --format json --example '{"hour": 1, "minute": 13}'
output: {"hour": 12, "minute": 26}
